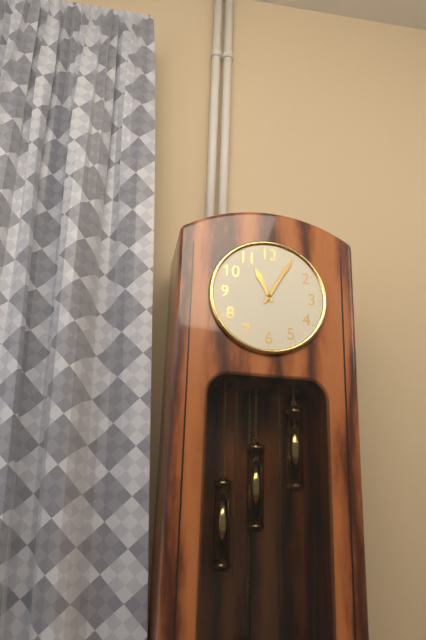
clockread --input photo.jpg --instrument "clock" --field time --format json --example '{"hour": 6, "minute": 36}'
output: {"hour": 11, "minute": 5}
